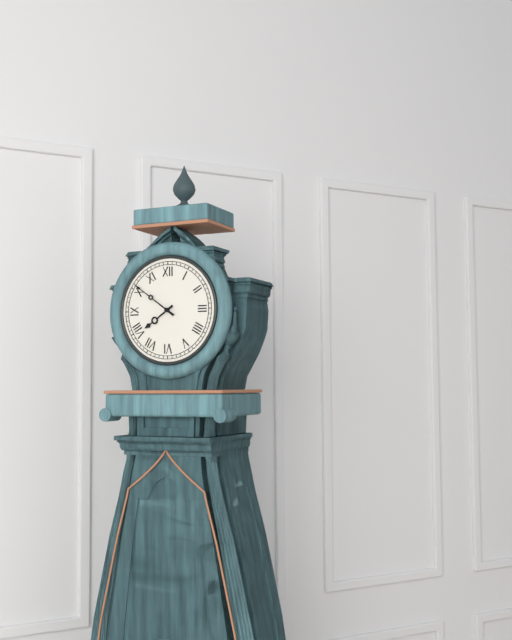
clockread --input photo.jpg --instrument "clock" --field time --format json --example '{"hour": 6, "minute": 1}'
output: {"hour": 7, "minute": 51}
